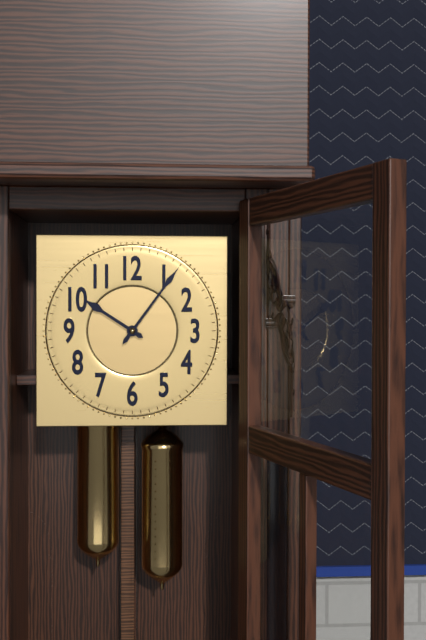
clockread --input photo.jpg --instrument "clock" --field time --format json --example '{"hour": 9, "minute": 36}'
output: {"hour": 10, "minute": 6}
